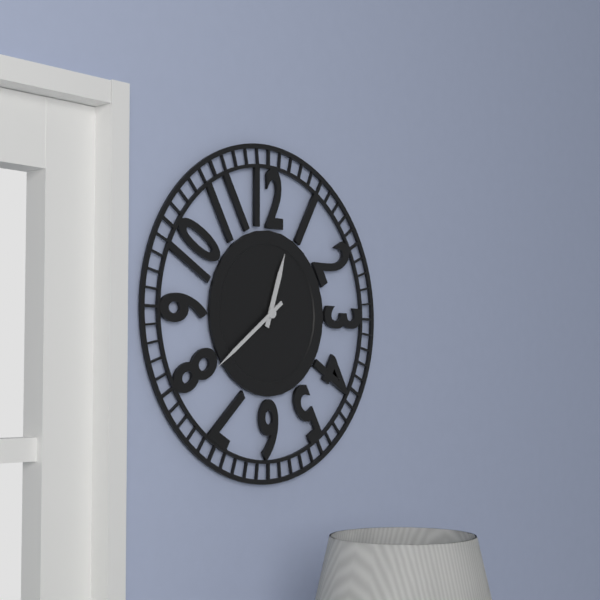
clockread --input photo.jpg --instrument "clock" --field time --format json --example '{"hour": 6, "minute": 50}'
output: {"hour": 12, "minute": 39}
